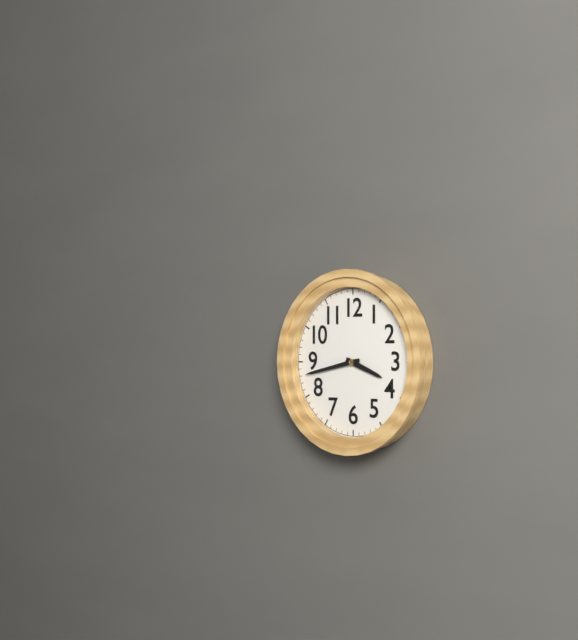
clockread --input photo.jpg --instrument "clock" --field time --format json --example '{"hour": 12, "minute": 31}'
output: {"hour": 3, "minute": 43}
